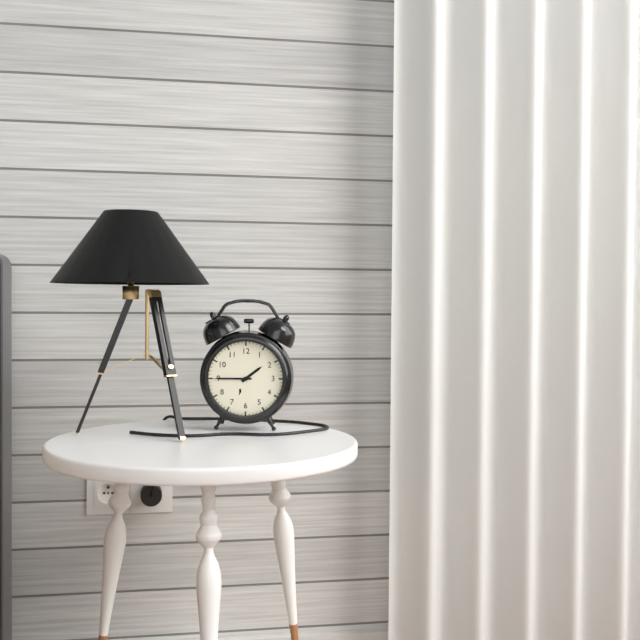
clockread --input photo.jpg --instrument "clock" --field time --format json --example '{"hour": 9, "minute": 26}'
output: {"hour": 1, "minute": 45}
